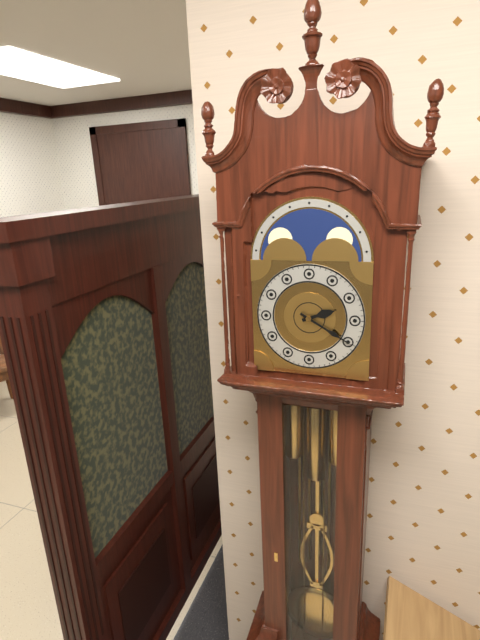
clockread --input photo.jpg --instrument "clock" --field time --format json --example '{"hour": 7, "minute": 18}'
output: {"hour": 2, "minute": 20}
